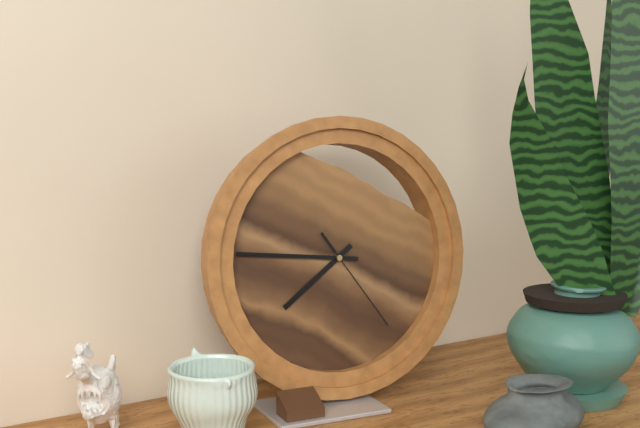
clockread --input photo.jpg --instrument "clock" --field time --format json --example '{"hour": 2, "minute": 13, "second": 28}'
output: {"hour": 7, "minute": 46, "second": 24}
